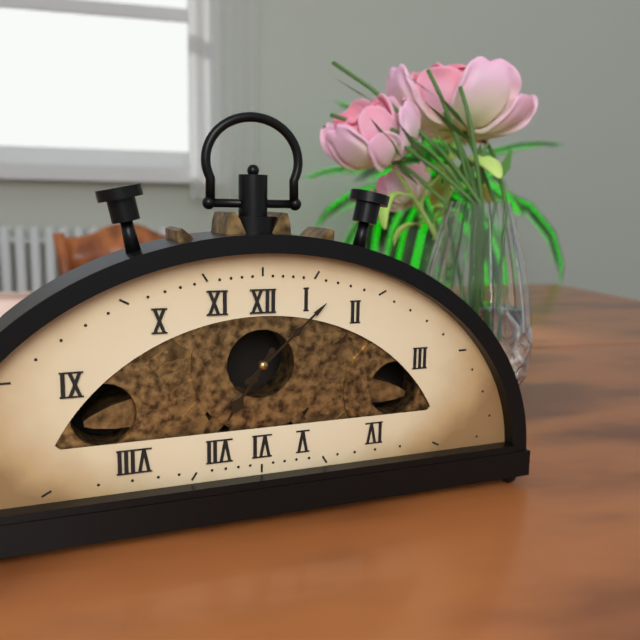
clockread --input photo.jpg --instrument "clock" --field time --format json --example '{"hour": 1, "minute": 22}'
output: {"hour": 7, "minute": 8}
